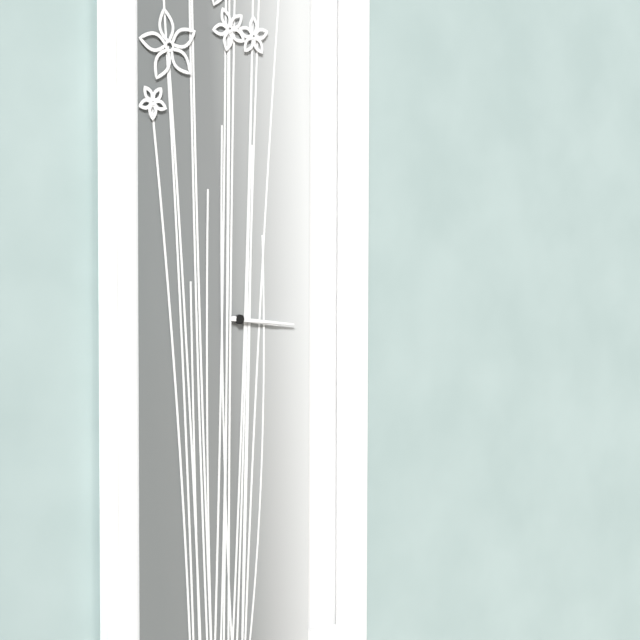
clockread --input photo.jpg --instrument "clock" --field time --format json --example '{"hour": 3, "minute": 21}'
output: {"hour": 3, "minute": 16}
